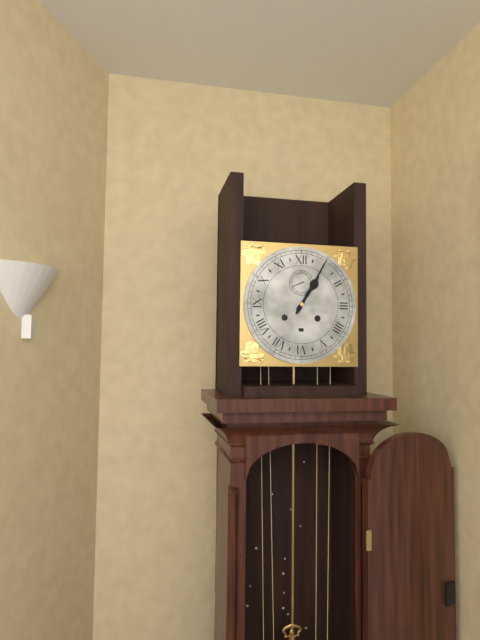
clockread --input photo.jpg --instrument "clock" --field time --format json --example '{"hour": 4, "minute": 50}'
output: {"hour": 1, "minute": 5}
